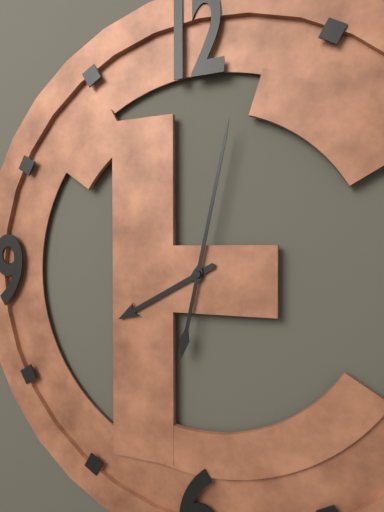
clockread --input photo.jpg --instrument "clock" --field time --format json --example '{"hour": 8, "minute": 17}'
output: {"hour": 8, "minute": 2}
